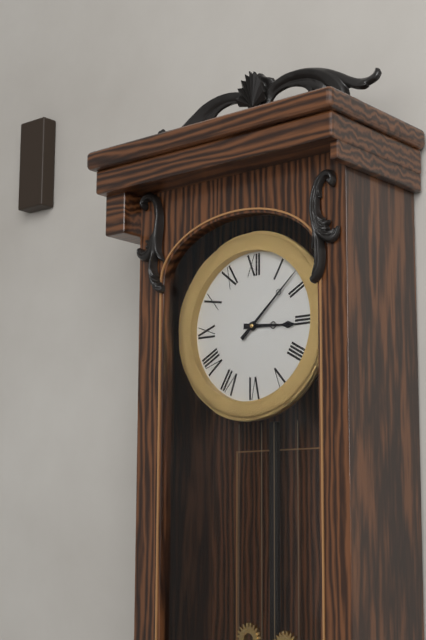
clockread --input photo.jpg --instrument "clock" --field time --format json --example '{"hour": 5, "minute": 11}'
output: {"hour": 3, "minute": 8}
